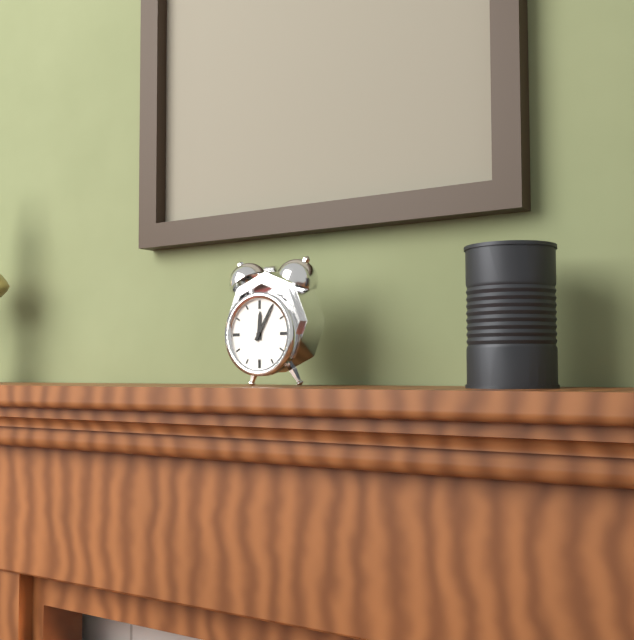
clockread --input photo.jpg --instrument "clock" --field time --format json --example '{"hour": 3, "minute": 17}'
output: {"hour": 12, "minute": 5}
